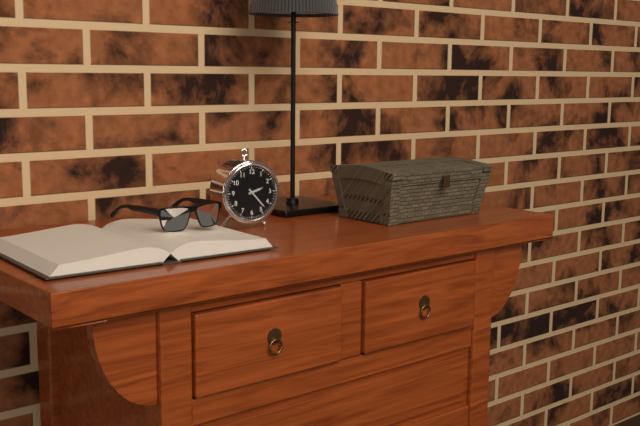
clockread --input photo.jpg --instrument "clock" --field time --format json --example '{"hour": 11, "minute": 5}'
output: {"hour": 2, "minute": 23}
